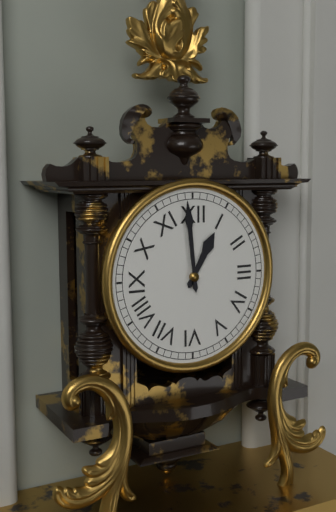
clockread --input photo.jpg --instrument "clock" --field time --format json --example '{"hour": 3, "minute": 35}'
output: {"hour": 12, "minute": 59}
